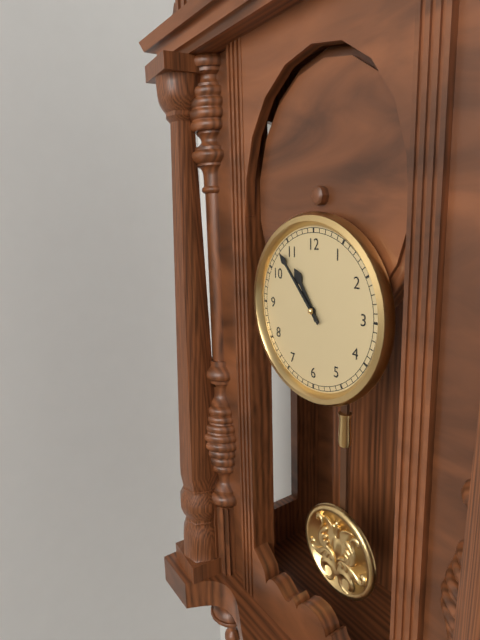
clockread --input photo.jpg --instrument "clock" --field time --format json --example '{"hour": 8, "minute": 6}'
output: {"hour": 10, "minute": 53}
